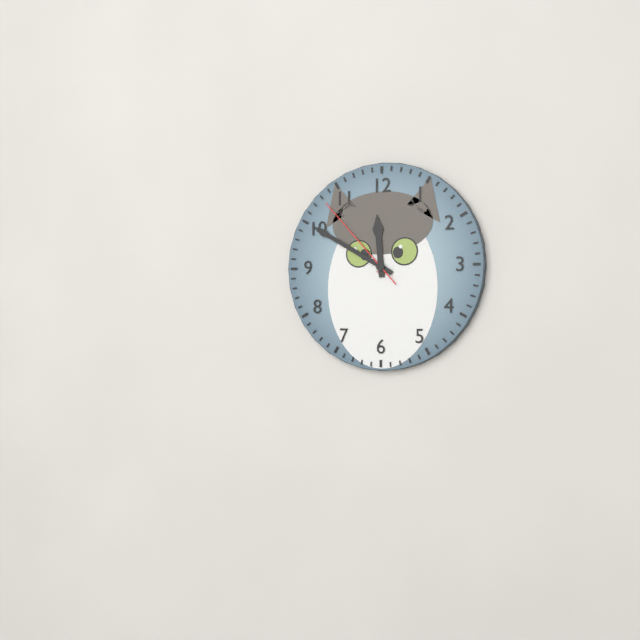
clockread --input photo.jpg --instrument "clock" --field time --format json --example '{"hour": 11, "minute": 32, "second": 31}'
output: {"hour": 11, "minute": 50, "second": 53}
